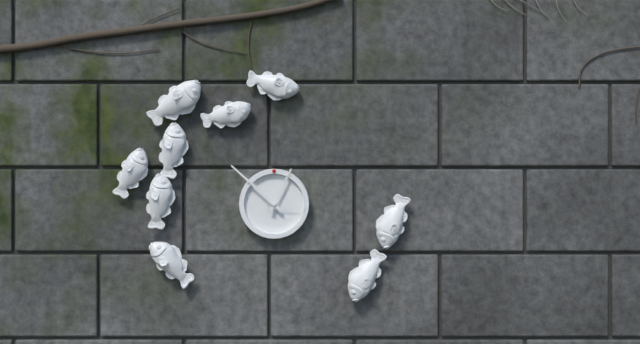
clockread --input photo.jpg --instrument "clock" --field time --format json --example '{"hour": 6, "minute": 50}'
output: {"hour": 12, "minute": 52}
